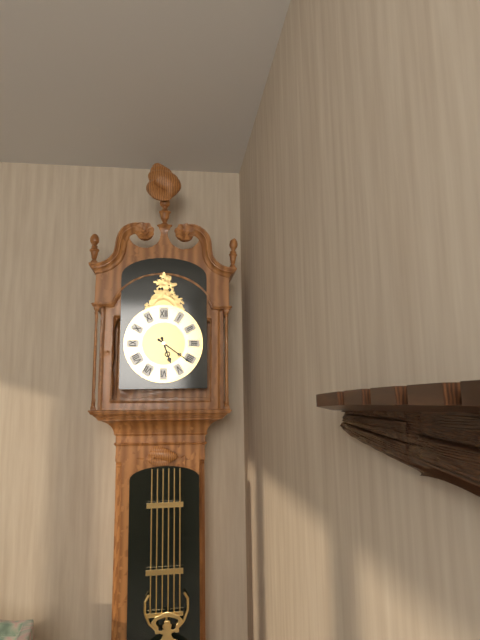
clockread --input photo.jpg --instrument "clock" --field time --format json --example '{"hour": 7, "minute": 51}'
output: {"hour": 5, "minute": 21}
